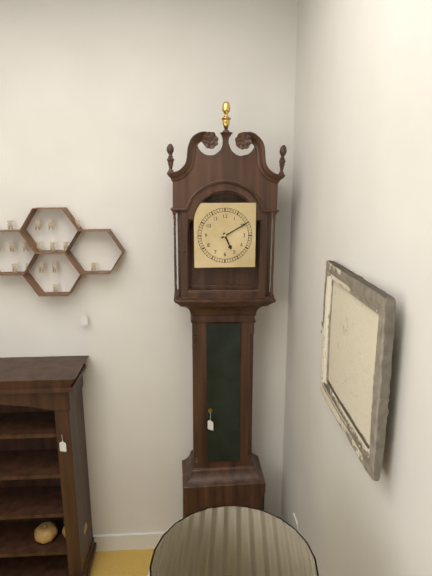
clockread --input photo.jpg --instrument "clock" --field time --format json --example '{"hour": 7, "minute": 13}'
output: {"hour": 5, "minute": 10}
